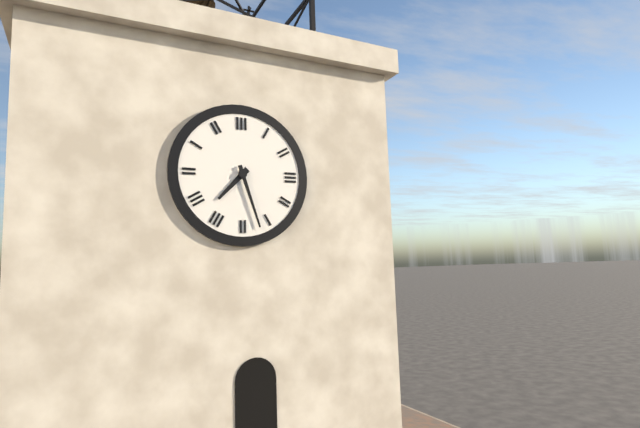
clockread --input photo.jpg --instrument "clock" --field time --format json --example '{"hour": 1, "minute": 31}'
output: {"hour": 7, "minute": 27}
